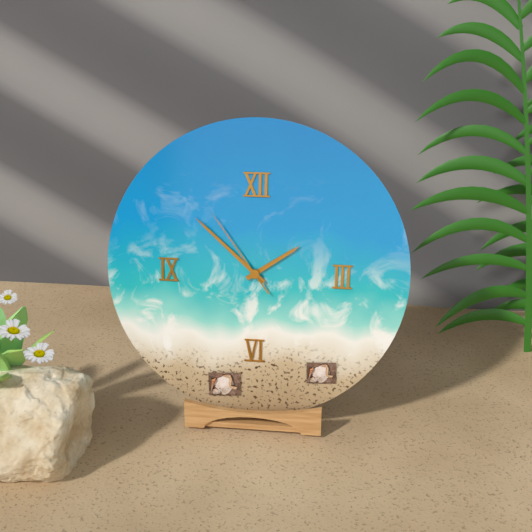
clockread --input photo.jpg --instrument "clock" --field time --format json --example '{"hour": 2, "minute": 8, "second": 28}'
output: {"hour": 1, "minute": 52, "second": 54}
